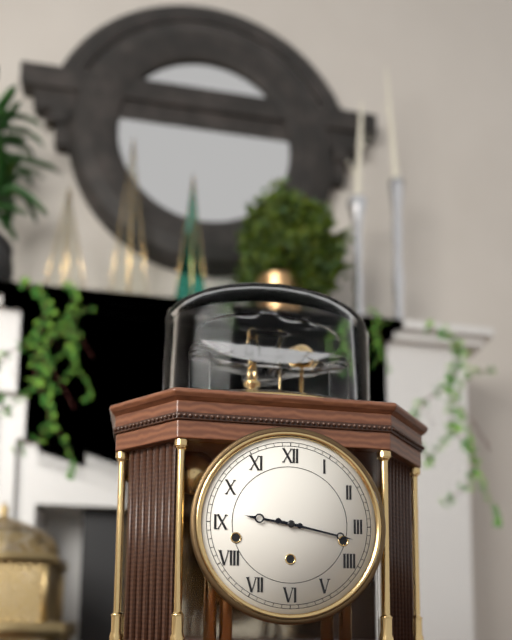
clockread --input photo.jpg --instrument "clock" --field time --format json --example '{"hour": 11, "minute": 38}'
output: {"hour": 9, "minute": 17}
